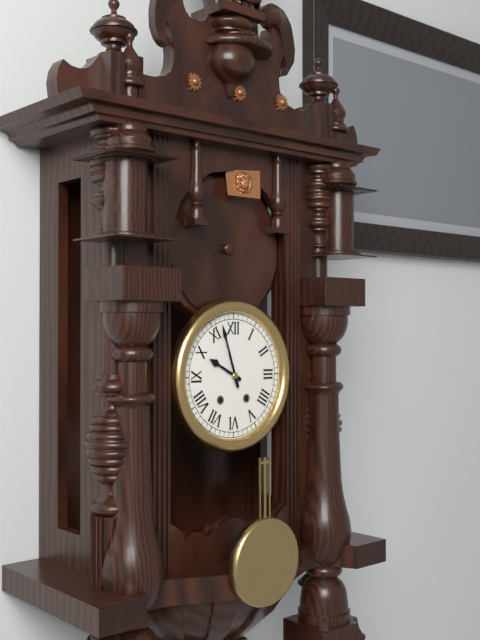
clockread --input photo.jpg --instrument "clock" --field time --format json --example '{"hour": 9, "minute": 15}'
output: {"hour": 9, "minute": 57}
